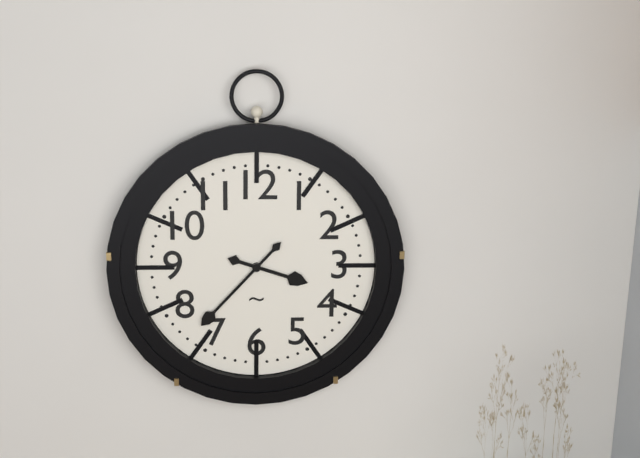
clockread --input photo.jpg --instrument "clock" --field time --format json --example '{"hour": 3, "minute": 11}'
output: {"hour": 3, "minute": 37}
